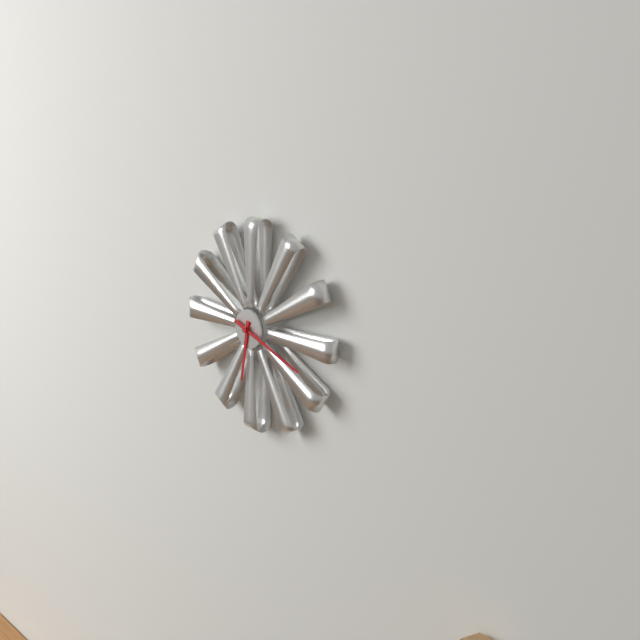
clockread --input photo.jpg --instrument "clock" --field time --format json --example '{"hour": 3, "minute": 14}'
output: {"hour": 6, "minute": 18}
